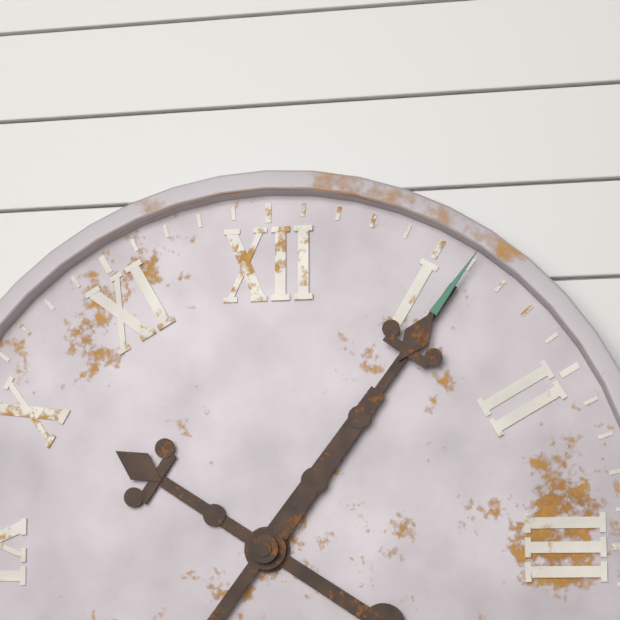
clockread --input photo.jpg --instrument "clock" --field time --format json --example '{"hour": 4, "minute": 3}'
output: {"hour": 10, "minute": 6}
